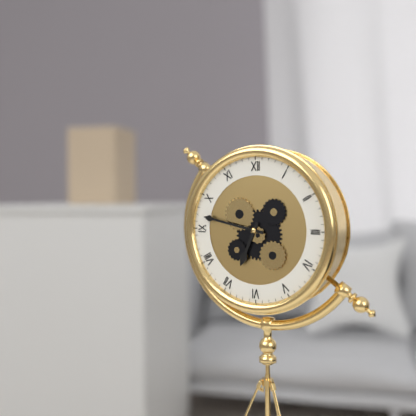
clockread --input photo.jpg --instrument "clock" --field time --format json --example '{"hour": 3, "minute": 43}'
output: {"hour": 6, "minute": 47}
